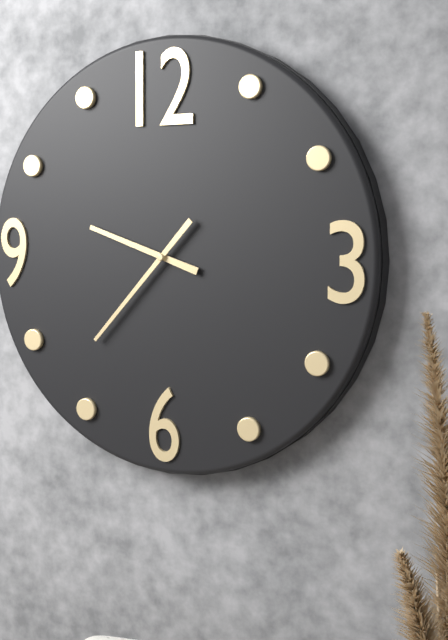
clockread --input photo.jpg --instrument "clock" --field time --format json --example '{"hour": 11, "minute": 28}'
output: {"hour": 9, "minute": 37}
